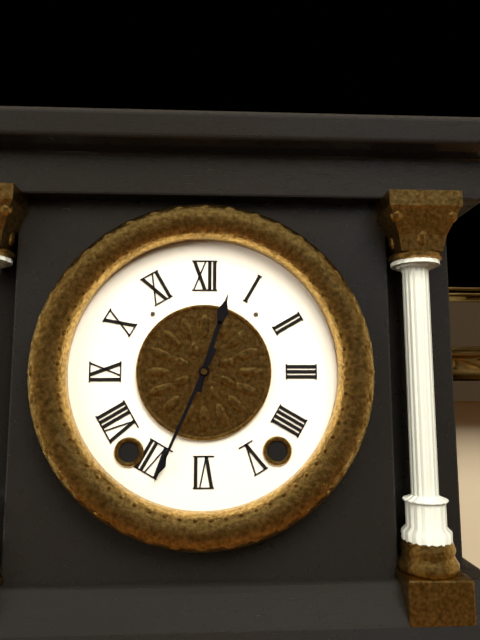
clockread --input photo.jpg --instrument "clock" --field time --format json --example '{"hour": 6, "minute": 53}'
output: {"hour": 12, "minute": 34}
